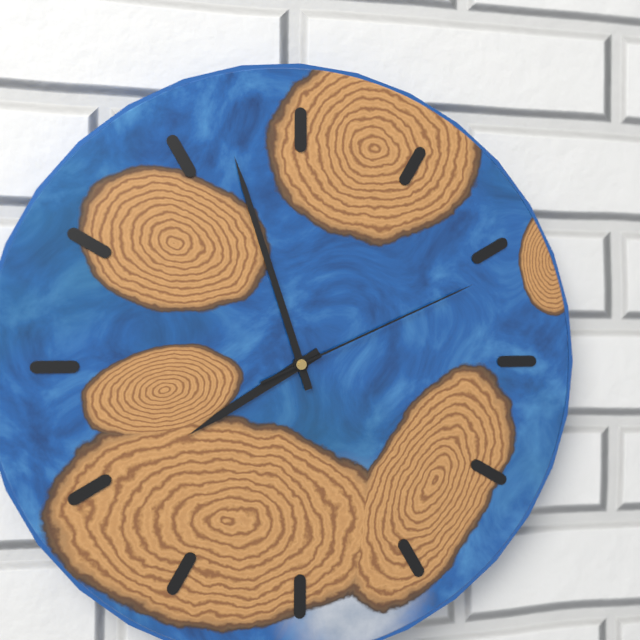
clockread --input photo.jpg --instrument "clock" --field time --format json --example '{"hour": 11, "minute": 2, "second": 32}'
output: {"hour": 7, "minute": 57, "second": 11}
